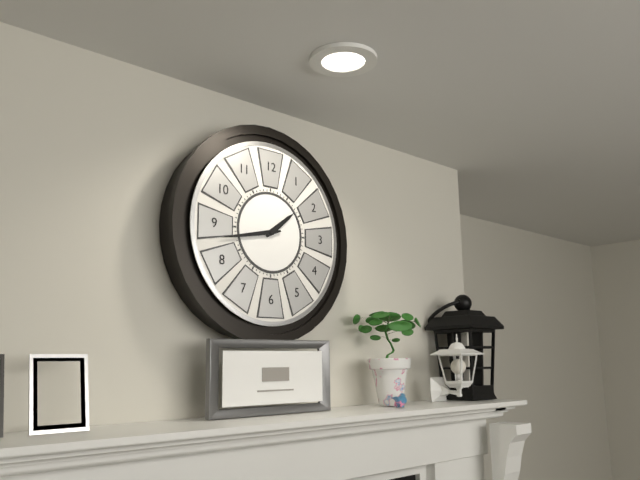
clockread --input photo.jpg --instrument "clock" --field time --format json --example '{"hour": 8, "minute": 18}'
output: {"hour": 1, "minute": 43}
